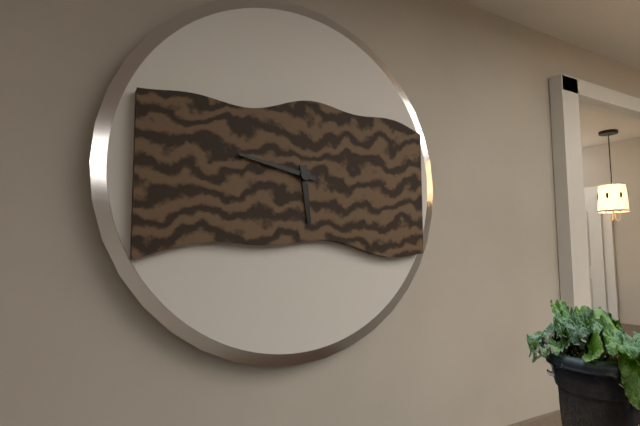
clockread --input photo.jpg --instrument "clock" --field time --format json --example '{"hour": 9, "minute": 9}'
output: {"hour": 5, "minute": 47}
